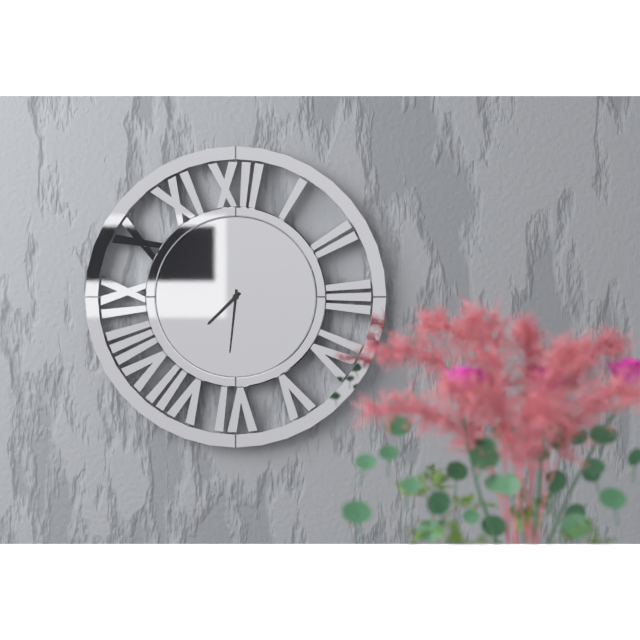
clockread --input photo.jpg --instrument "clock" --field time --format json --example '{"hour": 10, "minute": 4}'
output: {"hour": 7, "minute": 31}
